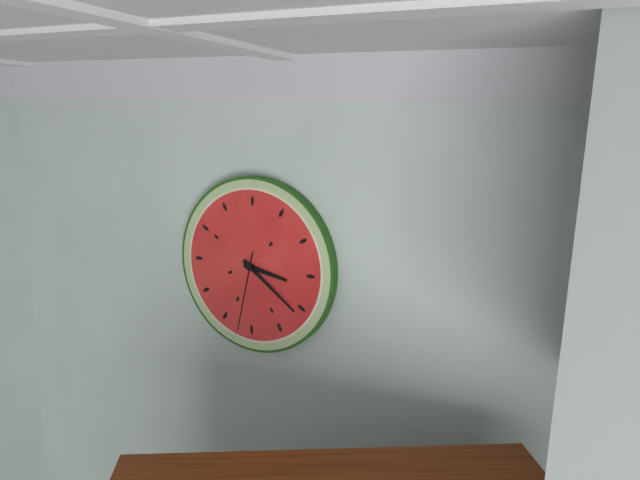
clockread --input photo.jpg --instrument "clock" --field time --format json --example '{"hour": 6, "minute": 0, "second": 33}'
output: {"hour": 3, "minute": 21, "second": 32}
